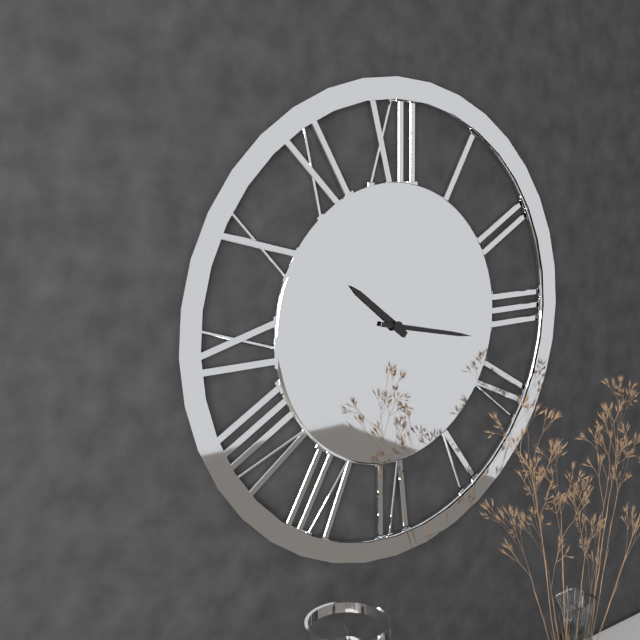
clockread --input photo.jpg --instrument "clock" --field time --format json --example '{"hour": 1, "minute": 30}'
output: {"hour": 10, "minute": 17}
